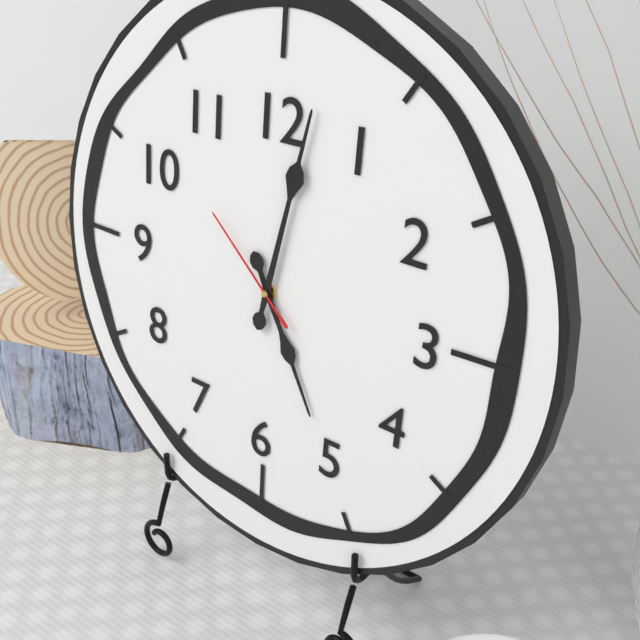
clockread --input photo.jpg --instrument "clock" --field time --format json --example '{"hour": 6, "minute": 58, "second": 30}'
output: {"hour": 5, "minute": 2, "second": 52}
